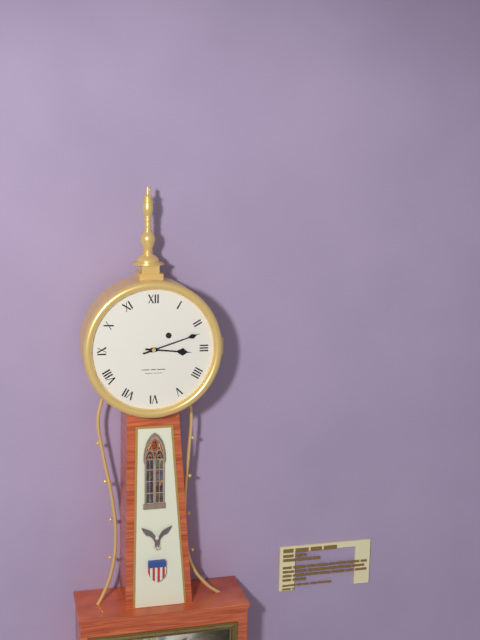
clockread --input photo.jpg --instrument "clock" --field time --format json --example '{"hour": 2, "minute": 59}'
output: {"hour": 3, "minute": 12}
